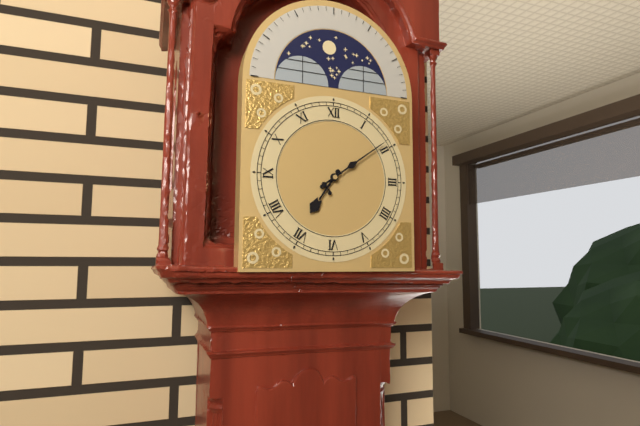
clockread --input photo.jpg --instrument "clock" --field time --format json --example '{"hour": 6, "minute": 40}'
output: {"hour": 7, "minute": 9}
